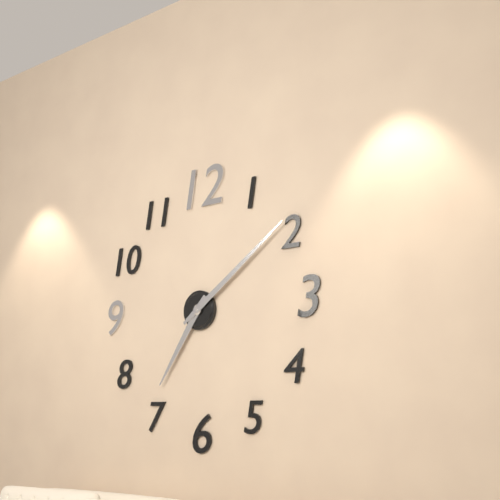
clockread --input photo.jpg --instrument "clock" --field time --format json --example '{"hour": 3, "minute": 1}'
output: {"hour": 7, "minute": 9}
